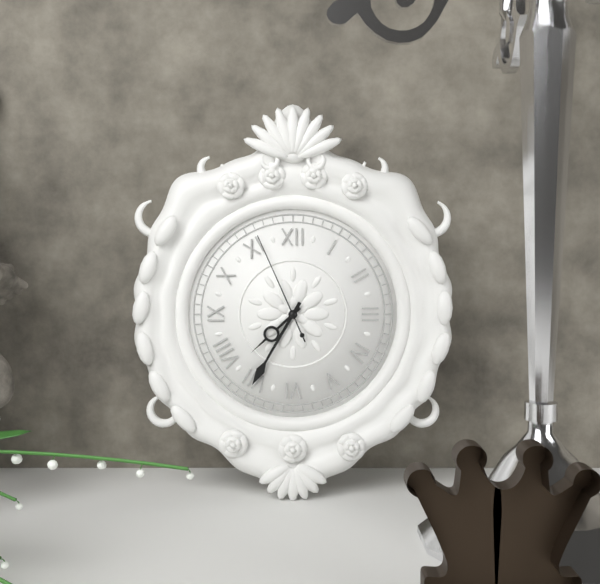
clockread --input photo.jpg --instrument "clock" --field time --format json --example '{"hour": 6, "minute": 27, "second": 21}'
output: {"hour": 7, "minute": 35, "second": 56}
